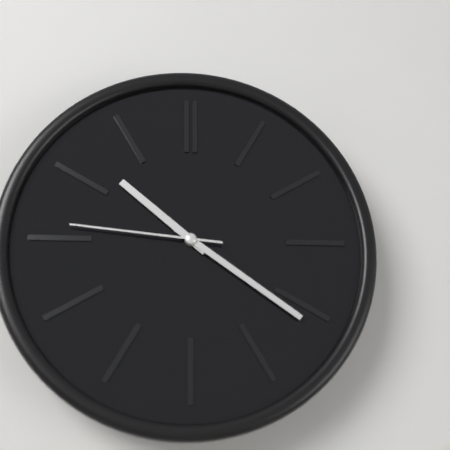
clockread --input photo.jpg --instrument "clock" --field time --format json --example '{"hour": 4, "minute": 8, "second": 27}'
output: {"hour": 10, "minute": 21, "second": 46}
